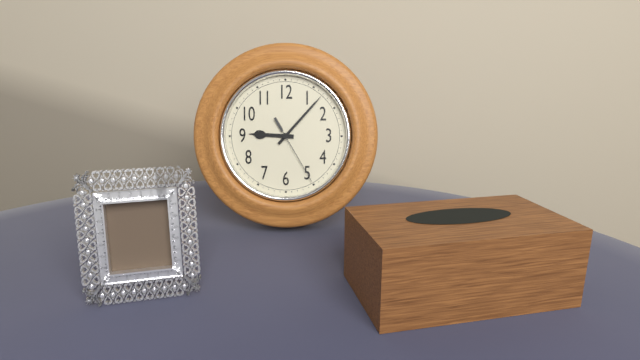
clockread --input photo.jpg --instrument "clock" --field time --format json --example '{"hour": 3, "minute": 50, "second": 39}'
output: {"hour": 9, "minute": 7, "second": 25}
